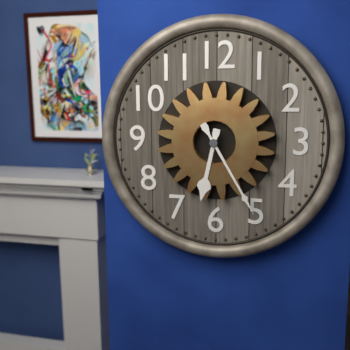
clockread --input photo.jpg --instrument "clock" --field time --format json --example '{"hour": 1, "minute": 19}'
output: {"hour": 6, "minute": 25}
